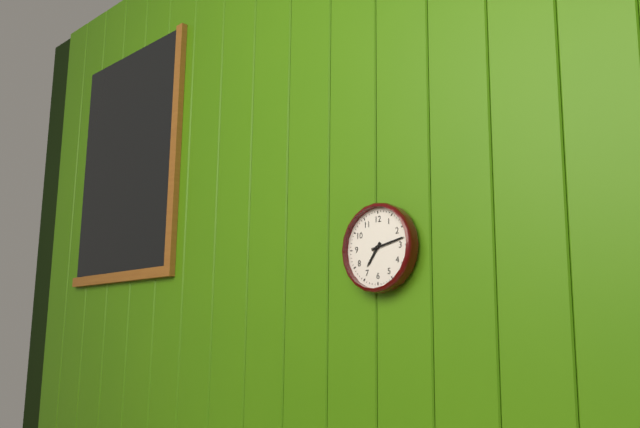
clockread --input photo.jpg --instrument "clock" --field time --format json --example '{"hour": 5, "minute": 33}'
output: {"hour": 7, "minute": 13}
